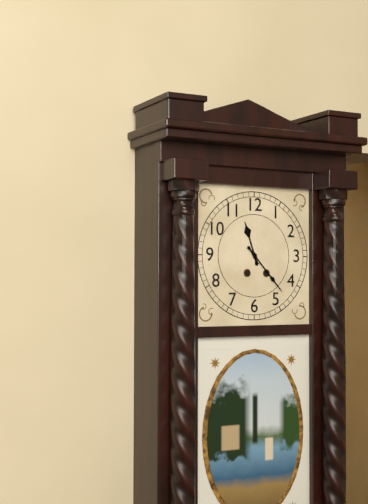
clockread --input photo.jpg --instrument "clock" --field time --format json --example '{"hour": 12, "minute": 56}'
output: {"hour": 11, "minute": 23}
